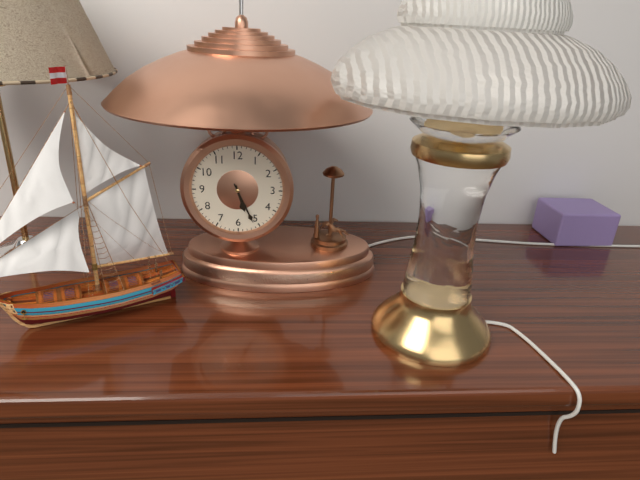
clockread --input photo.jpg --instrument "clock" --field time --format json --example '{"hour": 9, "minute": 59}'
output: {"hour": 5, "minute": 26}
